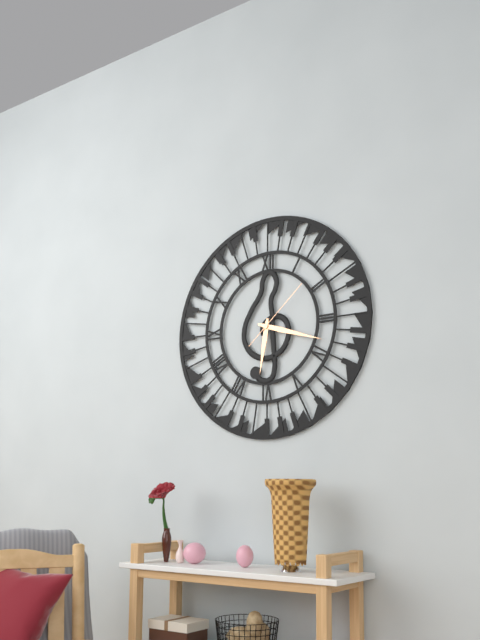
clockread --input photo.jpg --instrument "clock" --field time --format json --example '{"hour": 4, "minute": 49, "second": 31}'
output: {"hour": 6, "minute": 18, "second": 8}
